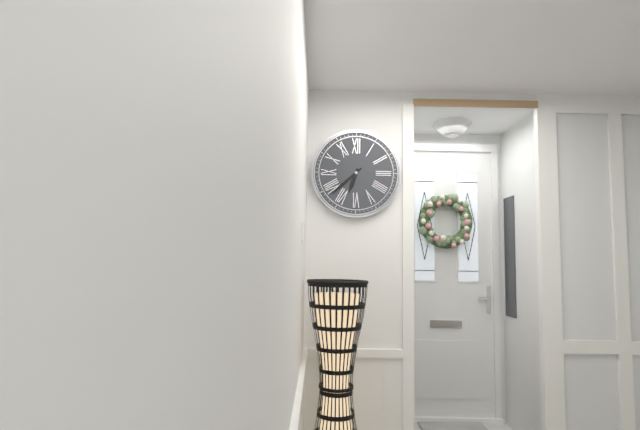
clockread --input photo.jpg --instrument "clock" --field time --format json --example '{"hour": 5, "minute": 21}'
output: {"hour": 6, "minute": 38}
